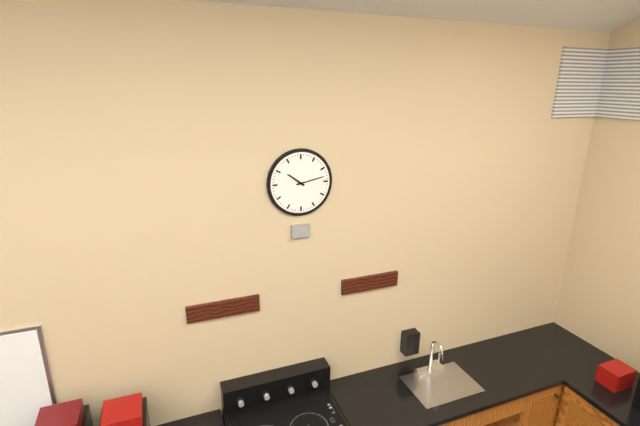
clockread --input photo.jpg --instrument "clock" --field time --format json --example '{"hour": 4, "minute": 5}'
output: {"hour": 10, "minute": 13}
